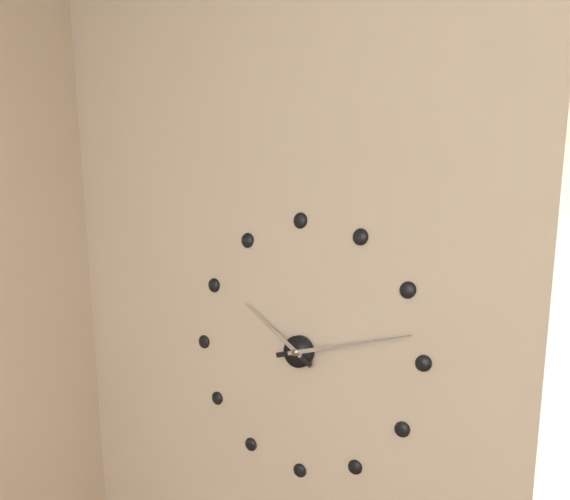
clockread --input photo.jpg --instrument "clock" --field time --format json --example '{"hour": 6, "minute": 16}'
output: {"hour": 10, "minute": 13}
